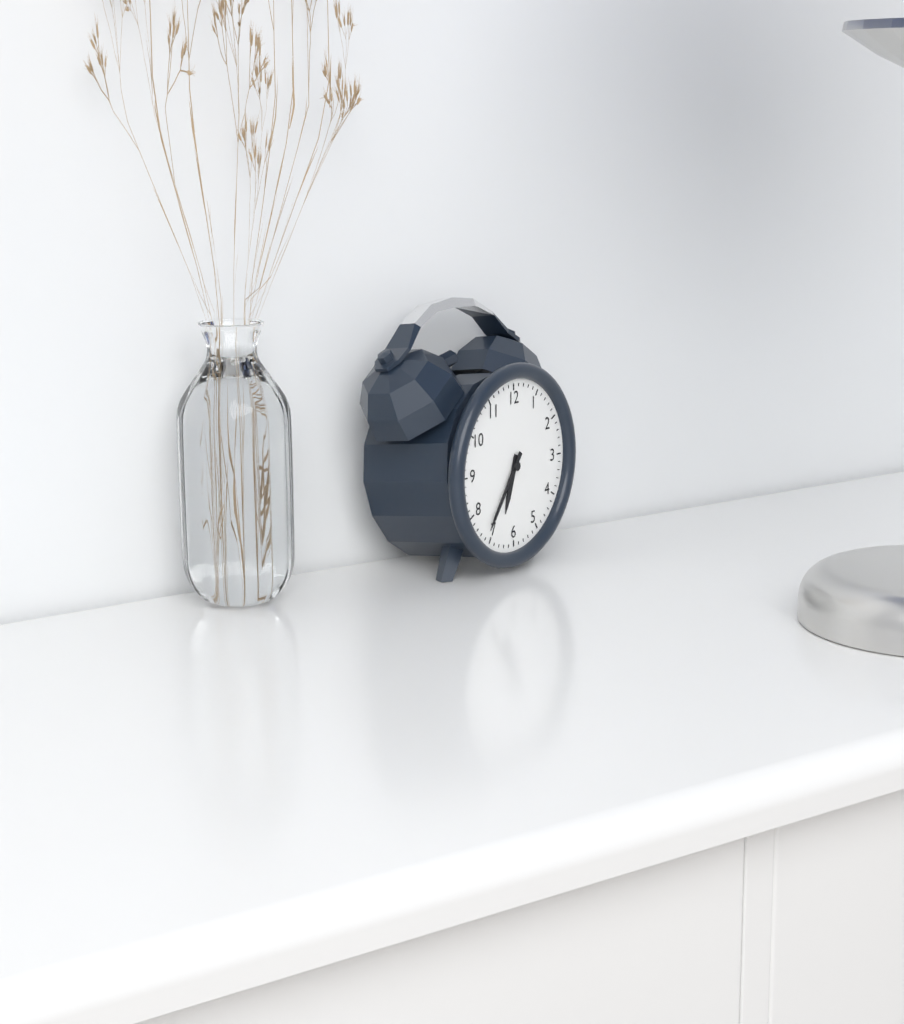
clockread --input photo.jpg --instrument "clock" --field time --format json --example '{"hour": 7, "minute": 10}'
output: {"hour": 6, "minute": 36}
